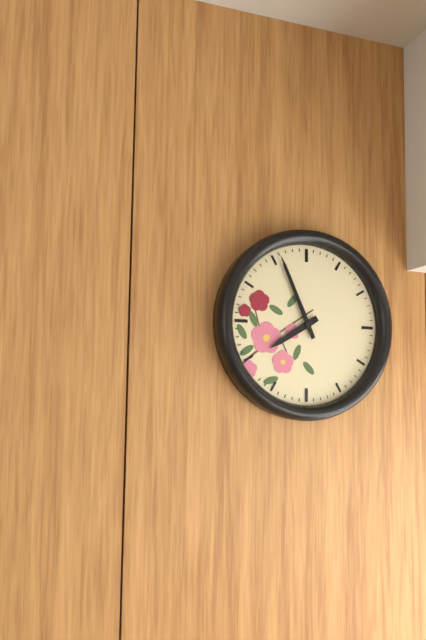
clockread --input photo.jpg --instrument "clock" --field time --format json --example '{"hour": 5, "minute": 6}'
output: {"hour": 7, "minute": 56}
